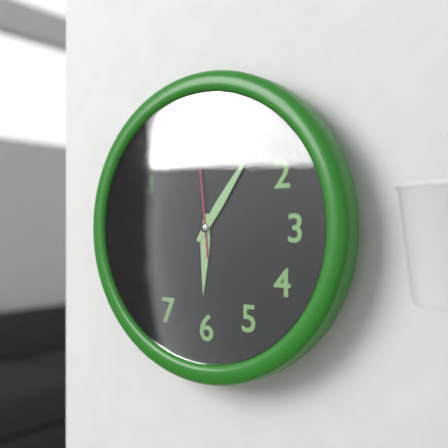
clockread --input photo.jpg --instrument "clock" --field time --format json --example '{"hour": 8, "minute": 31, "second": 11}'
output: {"hour": 6, "minute": 6, "second": 59}
